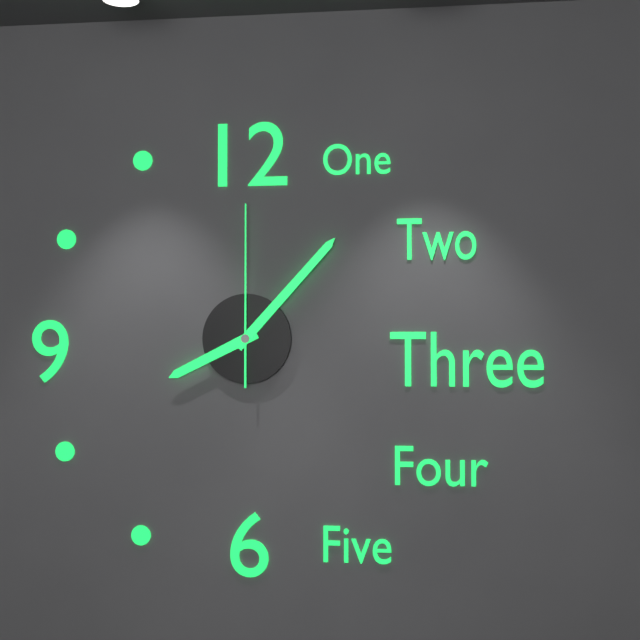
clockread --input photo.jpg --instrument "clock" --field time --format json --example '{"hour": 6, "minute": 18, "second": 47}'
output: {"hour": 8, "minute": 7, "second": 0}
